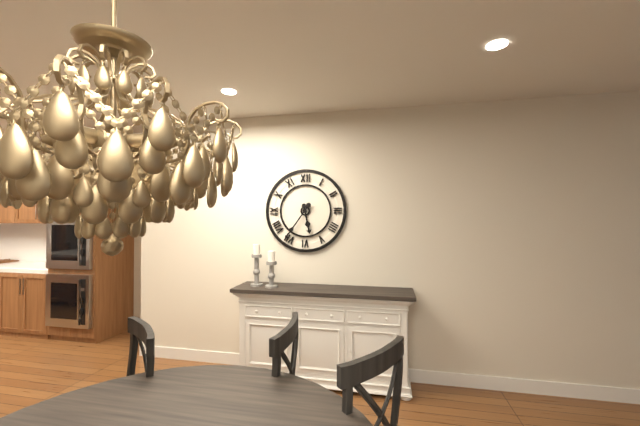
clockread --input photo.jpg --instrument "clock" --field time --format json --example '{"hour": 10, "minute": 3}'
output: {"hour": 5, "minute": 36}
